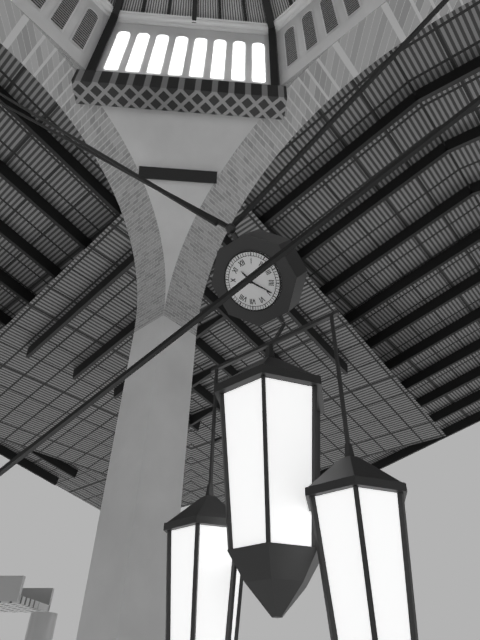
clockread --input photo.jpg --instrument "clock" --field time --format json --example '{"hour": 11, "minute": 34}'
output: {"hour": 11, "minute": 24}
